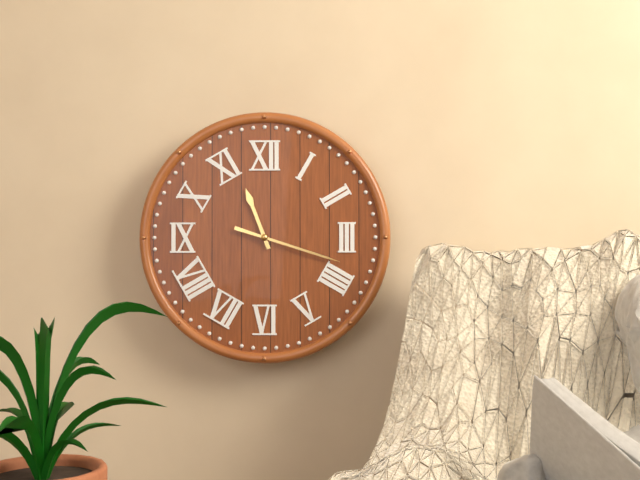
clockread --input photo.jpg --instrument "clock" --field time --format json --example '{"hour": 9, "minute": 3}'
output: {"hour": 11, "minute": 18}
